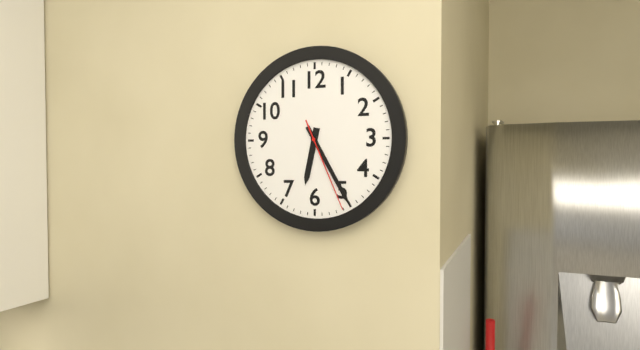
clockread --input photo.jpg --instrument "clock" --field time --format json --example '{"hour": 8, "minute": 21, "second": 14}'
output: {"hour": 6, "minute": 25, "second": 26}
